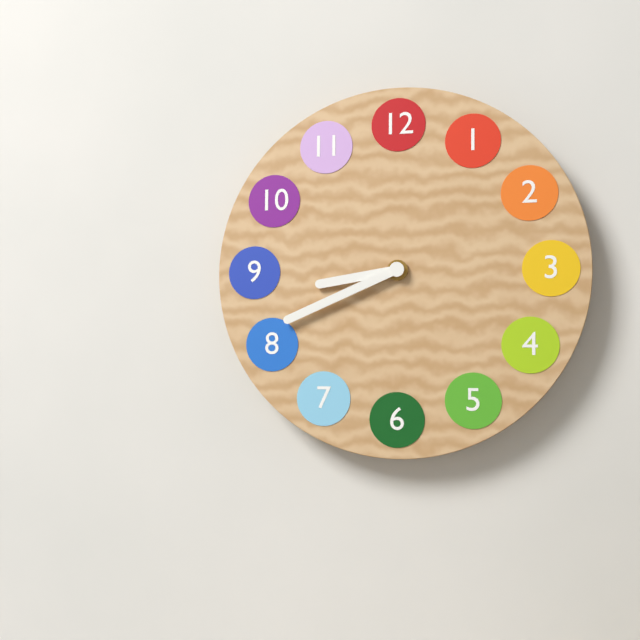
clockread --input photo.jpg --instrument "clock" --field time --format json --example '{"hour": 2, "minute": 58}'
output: {"hour": 8, "minute": 41}
